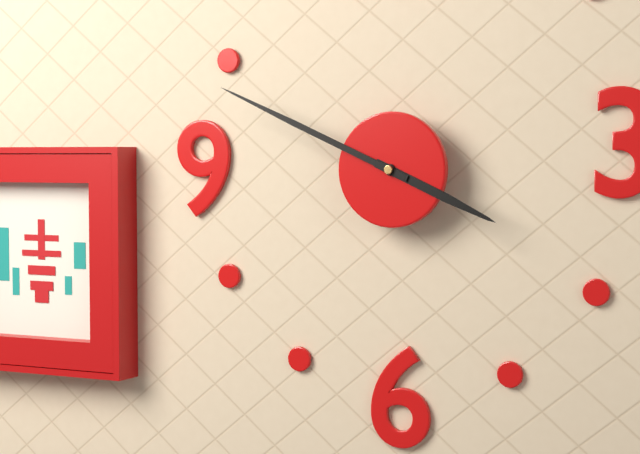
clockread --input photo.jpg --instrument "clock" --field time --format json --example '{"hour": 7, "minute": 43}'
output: {"hour": 3, "minute": 49}
